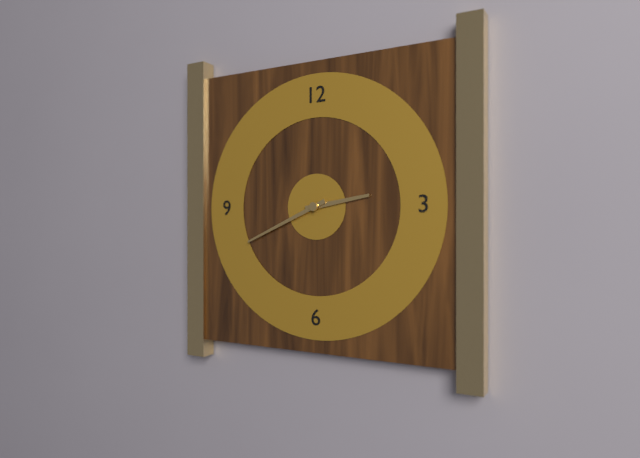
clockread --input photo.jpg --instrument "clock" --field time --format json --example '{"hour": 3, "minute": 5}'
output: {"hour": 2, "minute": 41}
